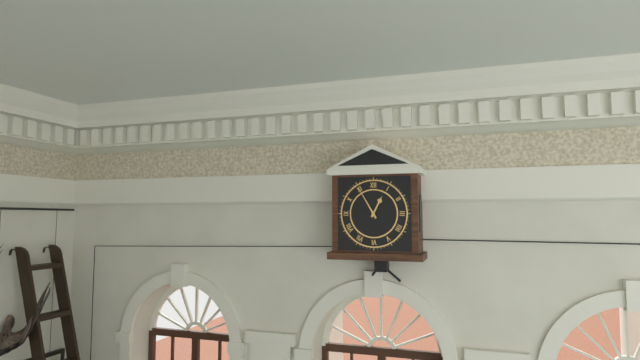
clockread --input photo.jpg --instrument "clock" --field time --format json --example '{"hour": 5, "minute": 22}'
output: {"hour": 12, "minute": 55}
